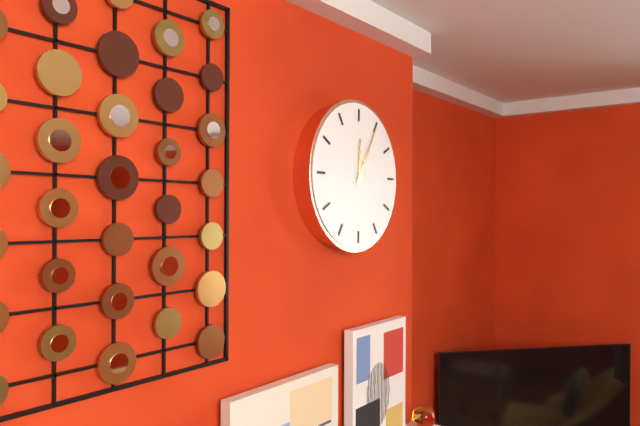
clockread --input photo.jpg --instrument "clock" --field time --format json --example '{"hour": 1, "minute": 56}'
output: {"hour": 12, "minute": 5}
